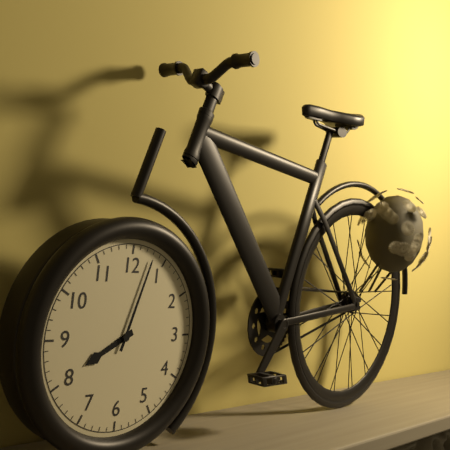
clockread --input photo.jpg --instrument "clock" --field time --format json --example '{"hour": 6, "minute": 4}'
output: {"hour": 8, "minute": 3}
